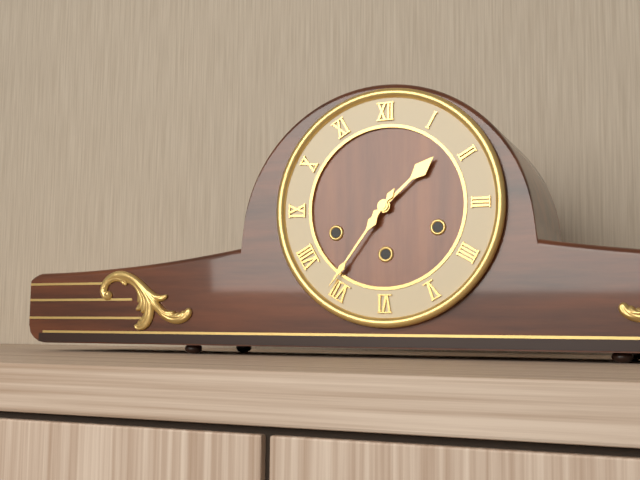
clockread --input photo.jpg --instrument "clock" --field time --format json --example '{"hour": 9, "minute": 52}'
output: {"hour": 1, "minute": 36}
